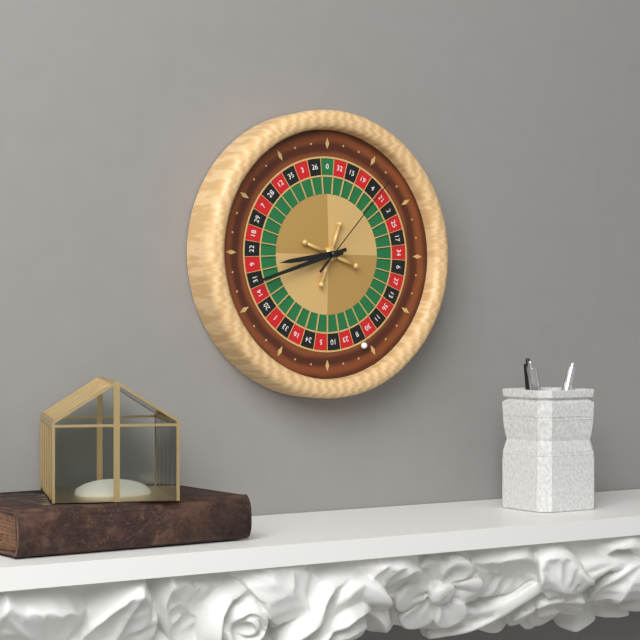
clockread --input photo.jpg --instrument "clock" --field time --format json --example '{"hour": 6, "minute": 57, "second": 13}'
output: {"hour": 8, "minute": 42, "second": 7}
